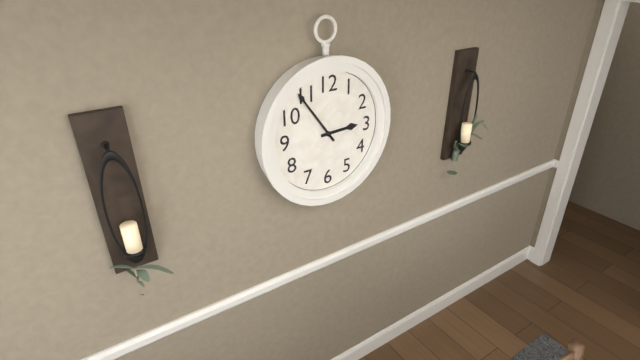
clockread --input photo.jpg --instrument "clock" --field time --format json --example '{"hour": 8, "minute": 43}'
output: {"hour": 2, "minute": 54}
